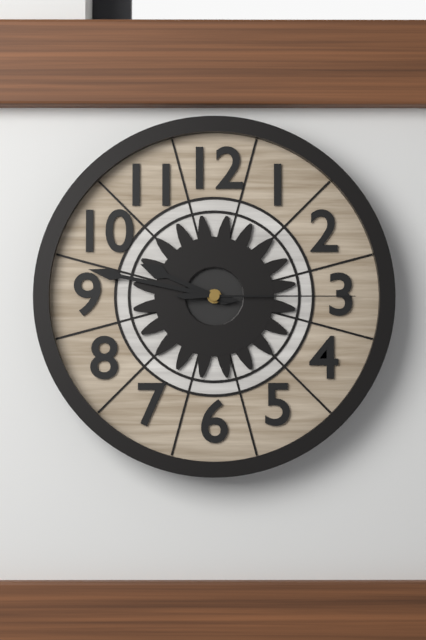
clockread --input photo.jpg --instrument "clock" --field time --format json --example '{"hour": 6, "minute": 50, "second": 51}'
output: {"hour": 9, "minute": 47, "second": 15}
